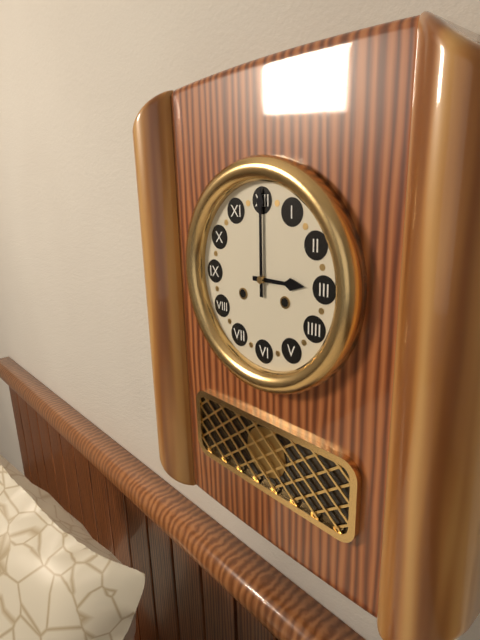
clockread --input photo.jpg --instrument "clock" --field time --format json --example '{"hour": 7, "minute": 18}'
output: {"hour": 3, "minute": 0}
